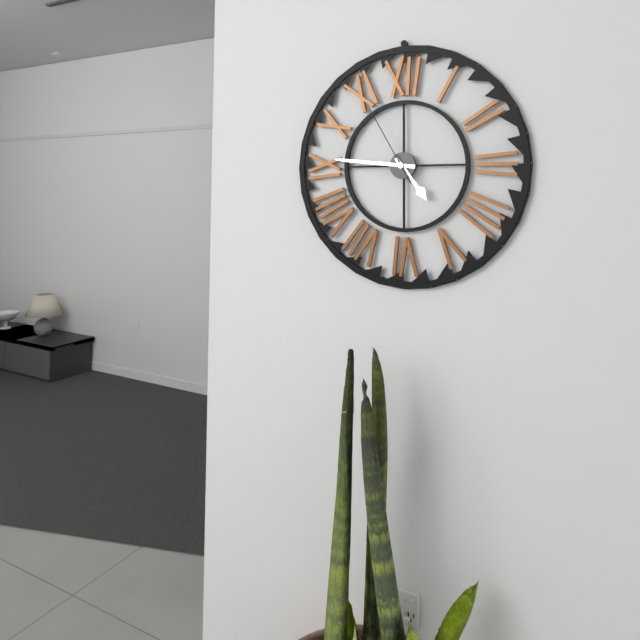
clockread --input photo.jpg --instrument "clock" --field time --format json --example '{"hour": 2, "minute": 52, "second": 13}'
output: {"hour": 4, "minute": 46, "second": 55}
